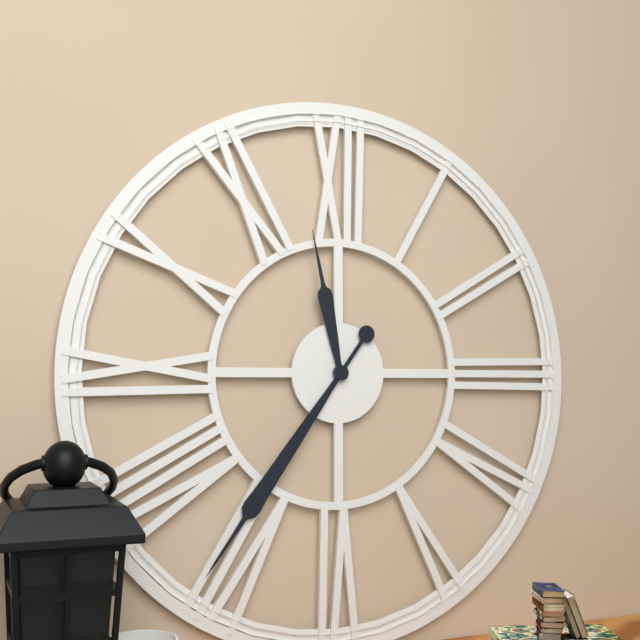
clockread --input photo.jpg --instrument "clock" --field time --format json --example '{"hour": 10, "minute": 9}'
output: {"hour": 11, "minute": 36}
